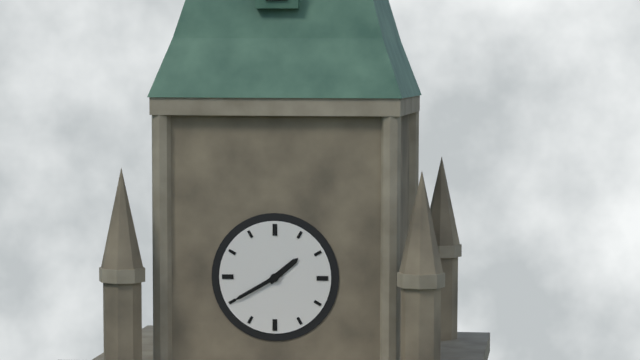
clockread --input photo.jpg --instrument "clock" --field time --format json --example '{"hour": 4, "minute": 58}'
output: {"hour": 1, "minute": 40}
